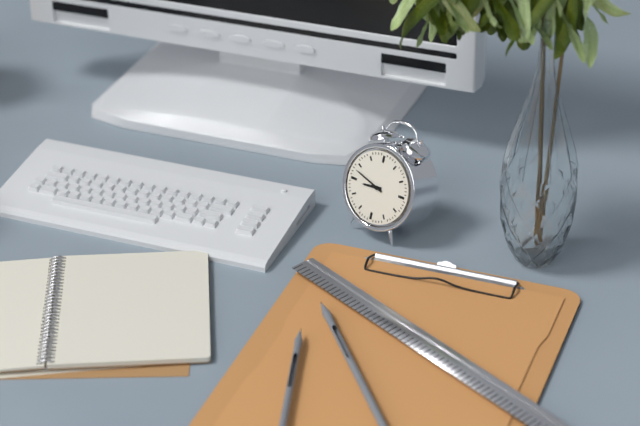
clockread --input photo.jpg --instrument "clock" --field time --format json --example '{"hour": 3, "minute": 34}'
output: {"hour": 8, "minute": 48}
